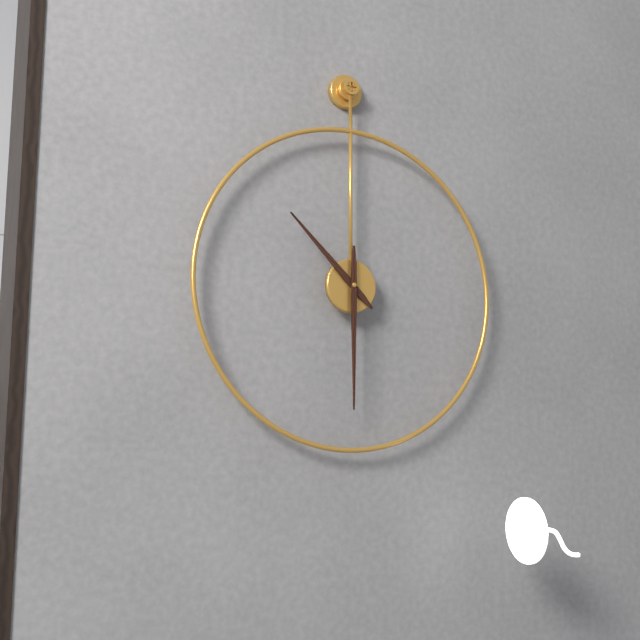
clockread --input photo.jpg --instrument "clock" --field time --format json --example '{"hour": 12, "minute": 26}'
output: {"hour": 10, "minute": 30}
